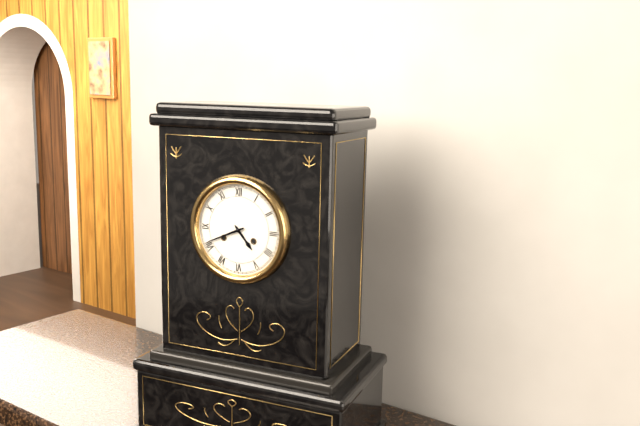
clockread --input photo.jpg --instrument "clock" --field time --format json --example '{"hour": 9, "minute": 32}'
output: {"hour": 4, "minute": 41}
